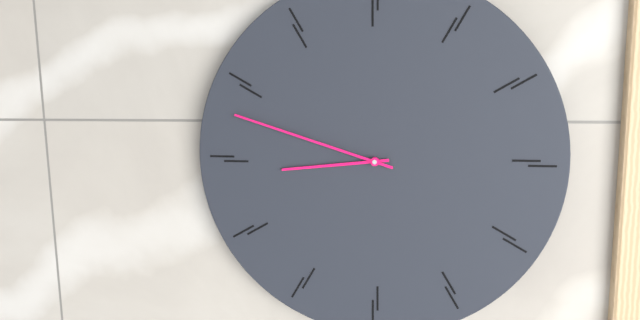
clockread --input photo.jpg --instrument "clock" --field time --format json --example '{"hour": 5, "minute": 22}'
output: {"hour": 8, "minute": 48}
